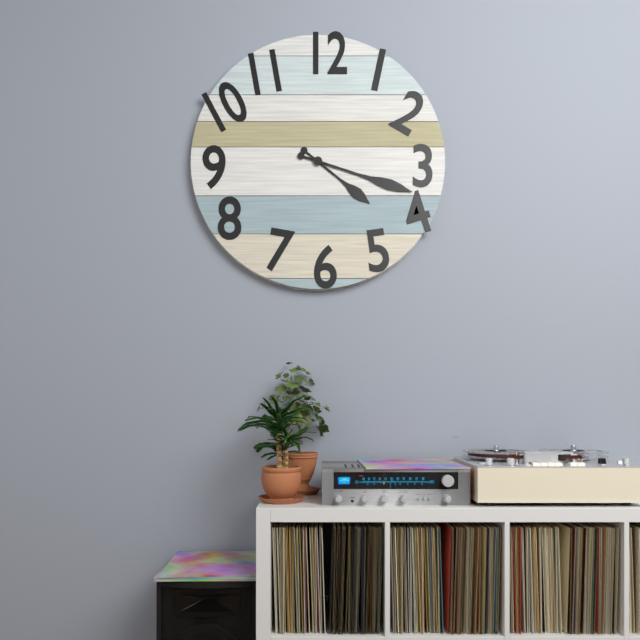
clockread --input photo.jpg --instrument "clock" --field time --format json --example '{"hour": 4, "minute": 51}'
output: {"hour": 4, "minute": 18}
